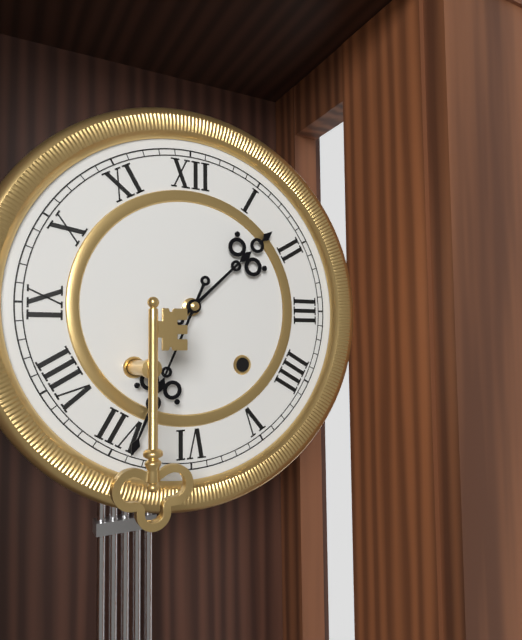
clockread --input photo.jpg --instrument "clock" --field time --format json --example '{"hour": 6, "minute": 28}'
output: {"hour": 1, "minute": 34}
